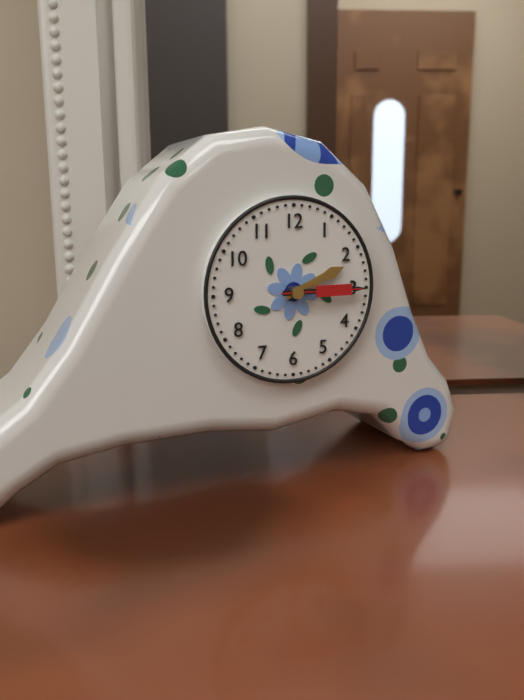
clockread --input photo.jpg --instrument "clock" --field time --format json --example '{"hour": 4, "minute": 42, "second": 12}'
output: {"hour": 2, "minute": 15, "second": 15}
